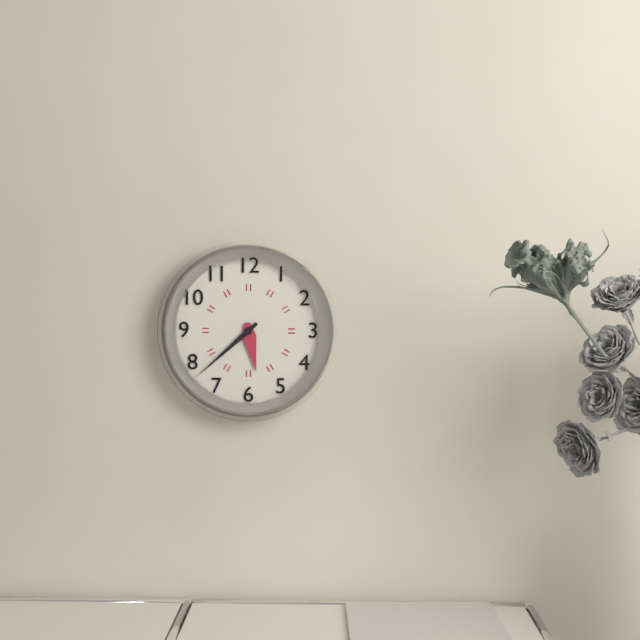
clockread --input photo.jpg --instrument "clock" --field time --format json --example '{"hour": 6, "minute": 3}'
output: {"hour": 5, "minute": 38}
